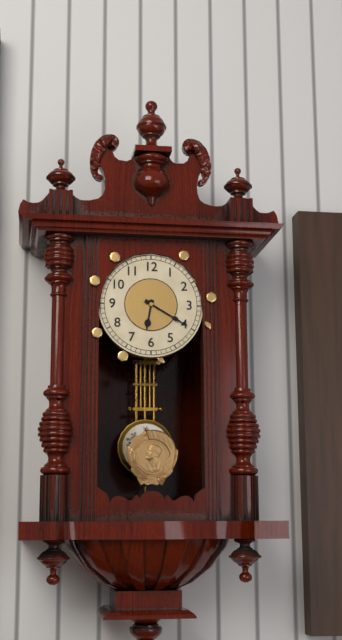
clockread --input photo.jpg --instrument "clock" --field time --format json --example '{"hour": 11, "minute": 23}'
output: {"hour": 6, "minute": 20}
